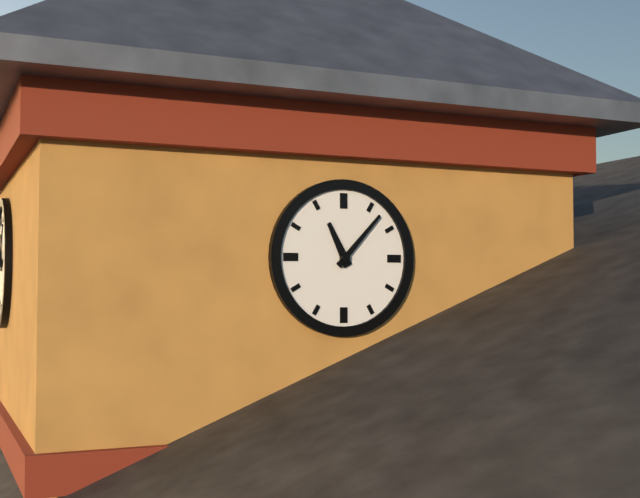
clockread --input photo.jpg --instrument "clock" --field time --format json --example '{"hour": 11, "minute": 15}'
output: {"hour": 11, "minute": 7}
